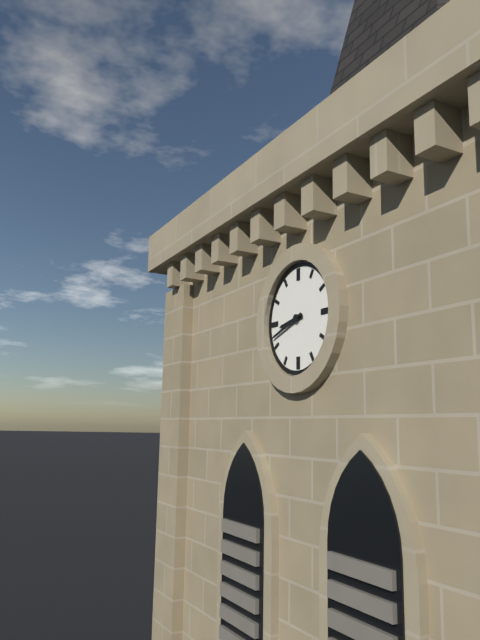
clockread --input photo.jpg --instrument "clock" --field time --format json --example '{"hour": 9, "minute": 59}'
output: {"hour": 8, "minute": 42}
